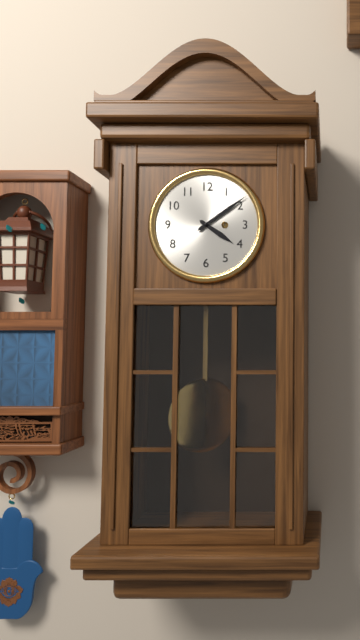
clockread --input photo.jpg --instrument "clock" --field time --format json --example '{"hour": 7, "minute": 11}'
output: {"hour": 4, "minute": 9}
